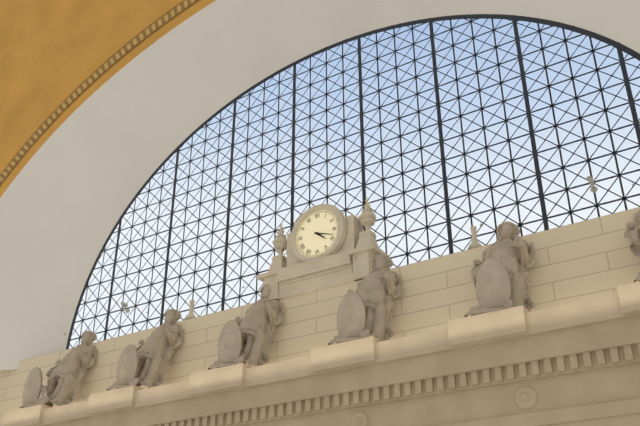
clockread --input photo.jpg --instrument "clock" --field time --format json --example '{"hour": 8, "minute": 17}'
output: {"hour": 4, "minute": 18}
